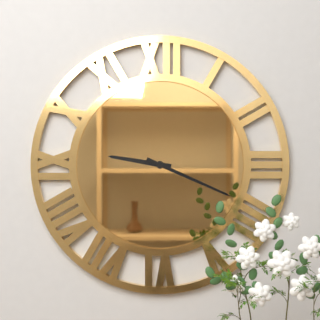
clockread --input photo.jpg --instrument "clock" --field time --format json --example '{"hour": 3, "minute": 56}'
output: {"hour": 9, "minute": 19}
